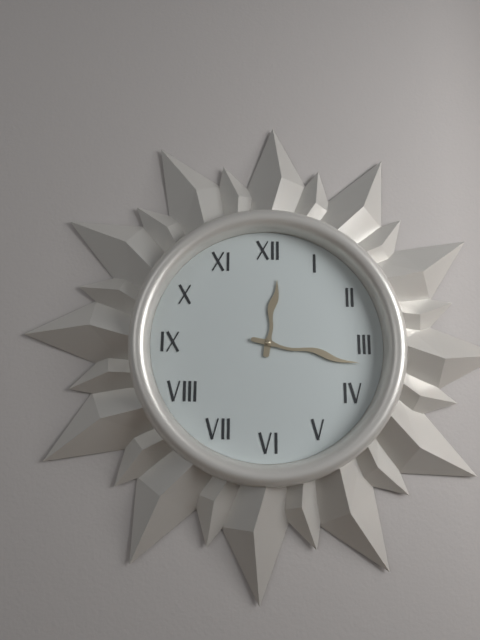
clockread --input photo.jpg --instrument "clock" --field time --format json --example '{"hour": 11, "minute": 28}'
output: {"hour": 12, "minute": 17}
